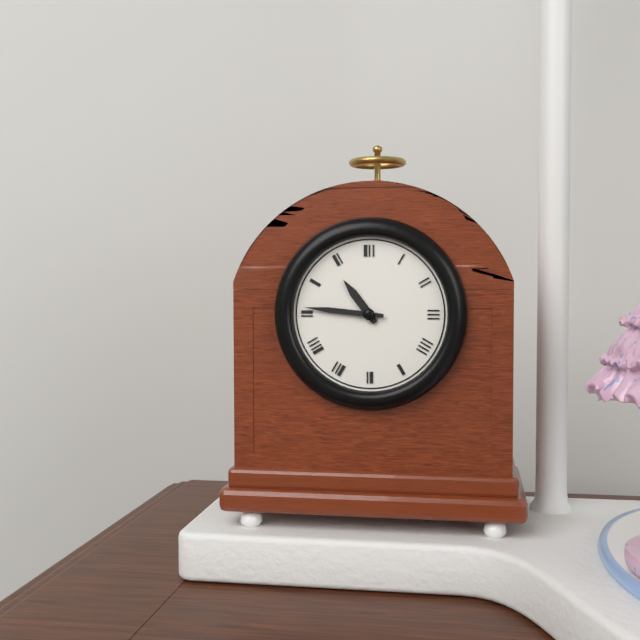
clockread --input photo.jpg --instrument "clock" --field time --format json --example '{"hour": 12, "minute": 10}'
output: {"hour": 10, "minute": 46}
